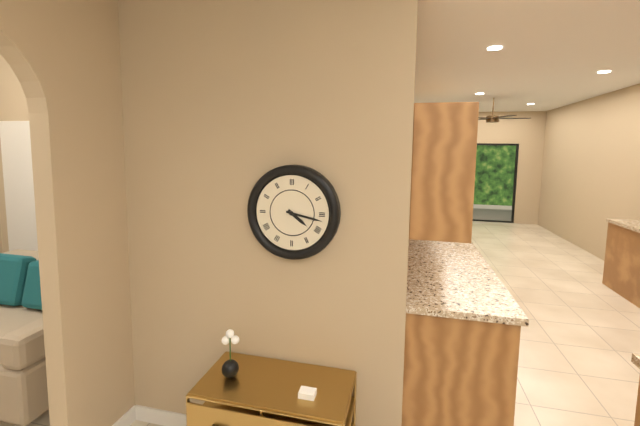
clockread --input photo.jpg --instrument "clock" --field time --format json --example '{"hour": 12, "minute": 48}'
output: {"hour": 4, "minute": 17}
